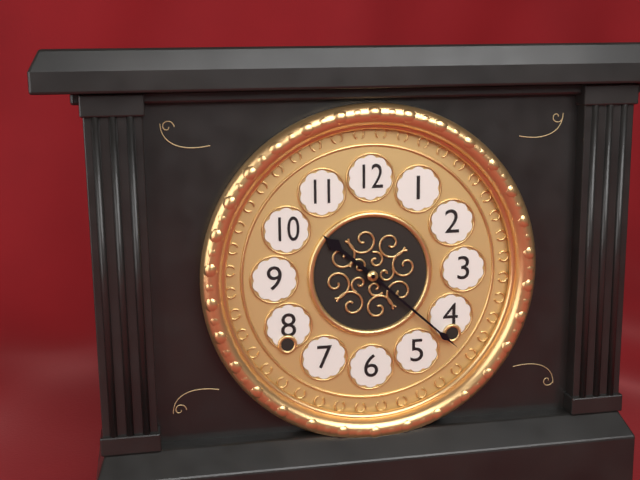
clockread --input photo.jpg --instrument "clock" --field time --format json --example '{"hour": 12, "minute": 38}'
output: {"hour": 10, "minute": 22}
